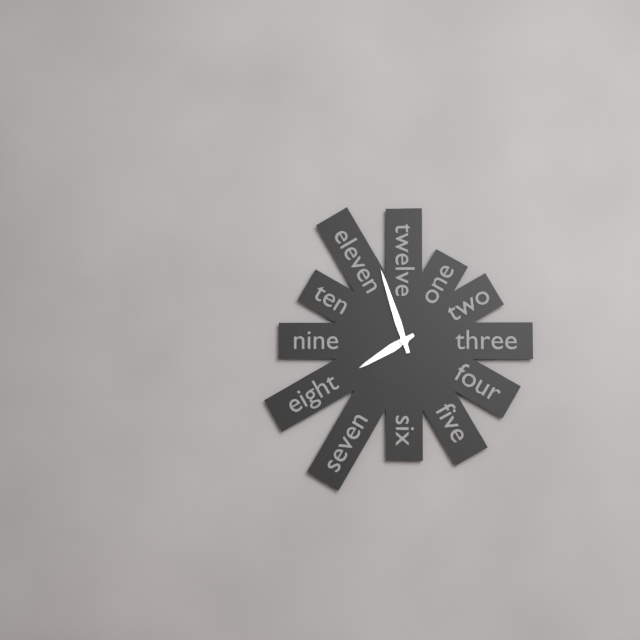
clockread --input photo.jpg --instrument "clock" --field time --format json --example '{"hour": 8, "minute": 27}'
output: {"hour": 7, "minute": 57}
